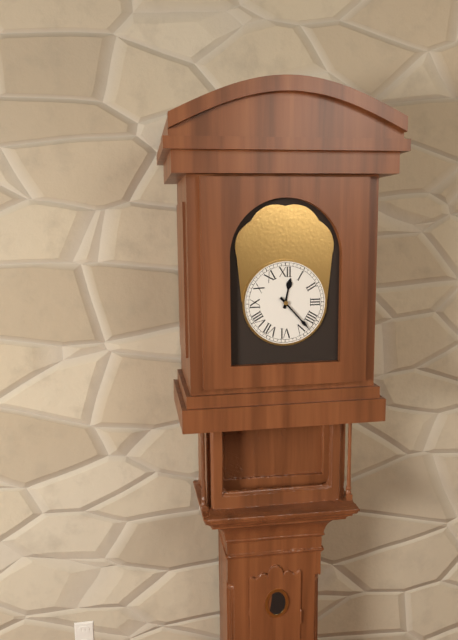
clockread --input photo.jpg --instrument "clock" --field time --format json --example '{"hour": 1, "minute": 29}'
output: {"hour": 12, "minute": 23}
